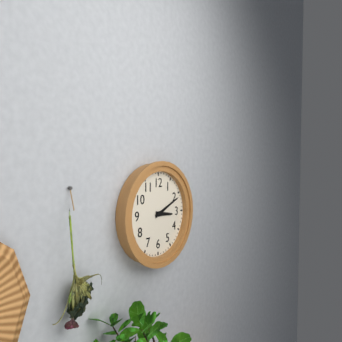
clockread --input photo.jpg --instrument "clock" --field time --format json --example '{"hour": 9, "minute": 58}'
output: {"hour": 3, "minute": 11}
